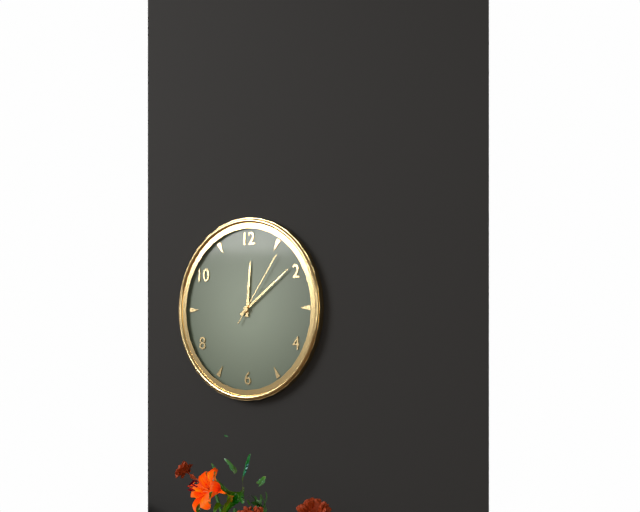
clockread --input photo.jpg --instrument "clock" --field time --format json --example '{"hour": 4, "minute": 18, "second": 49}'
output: {"hour": 12, "minute": 9, "second": 6}
